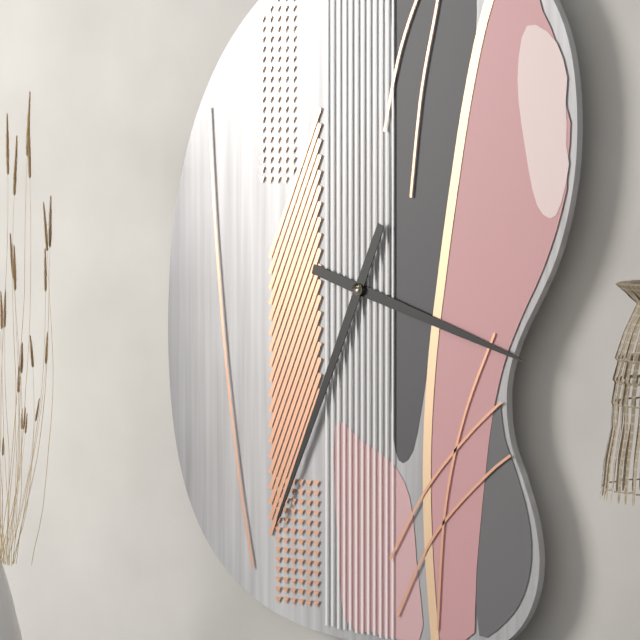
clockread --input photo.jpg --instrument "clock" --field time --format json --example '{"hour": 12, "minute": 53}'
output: {"hour": 3, "minute": 34}
